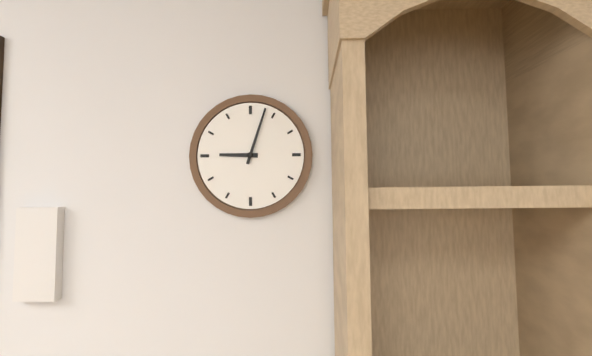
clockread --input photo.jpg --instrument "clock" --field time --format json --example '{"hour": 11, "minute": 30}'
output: {"hour": 9, "minute": 3}
